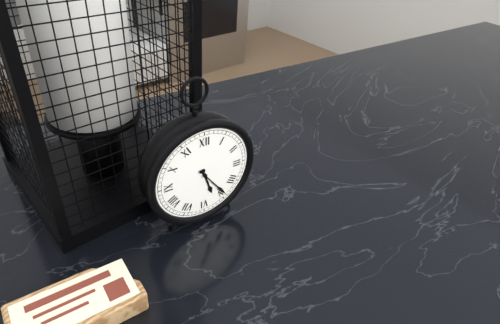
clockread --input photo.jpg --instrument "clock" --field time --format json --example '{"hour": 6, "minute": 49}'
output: {"hour": 5, "minute": 24}
